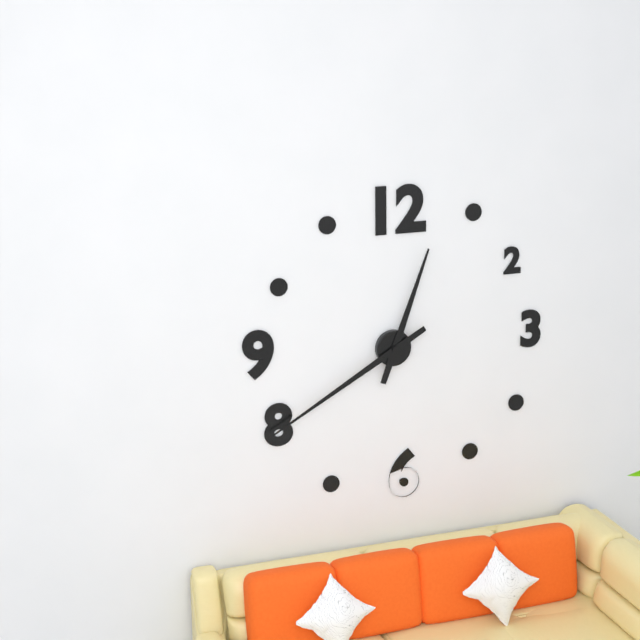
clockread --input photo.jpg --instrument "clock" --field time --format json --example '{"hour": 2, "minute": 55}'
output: {"hour": 12, "minute": 40}
